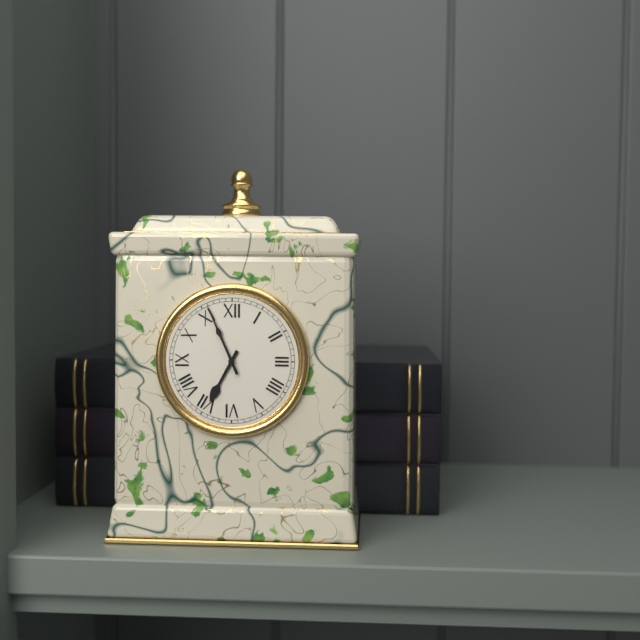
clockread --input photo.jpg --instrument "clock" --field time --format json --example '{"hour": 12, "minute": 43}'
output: {"hour": 6, "minute": 56}
